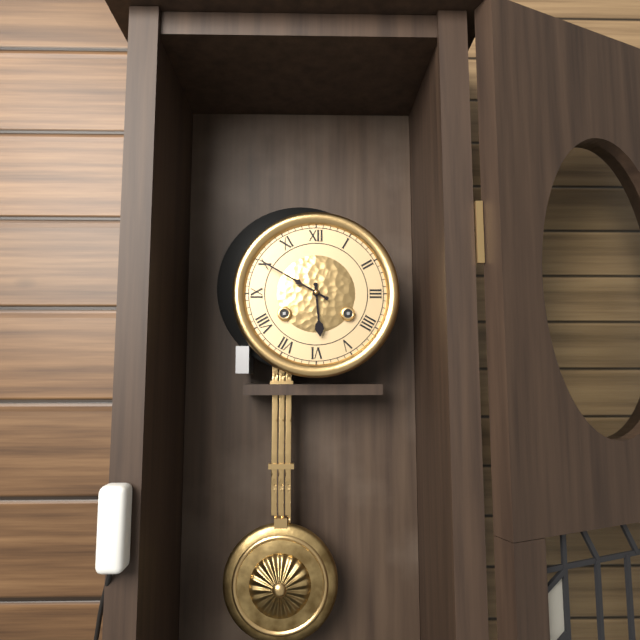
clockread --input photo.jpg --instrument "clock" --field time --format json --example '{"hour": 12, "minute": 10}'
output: {"hour": 5, "minute": 50}
